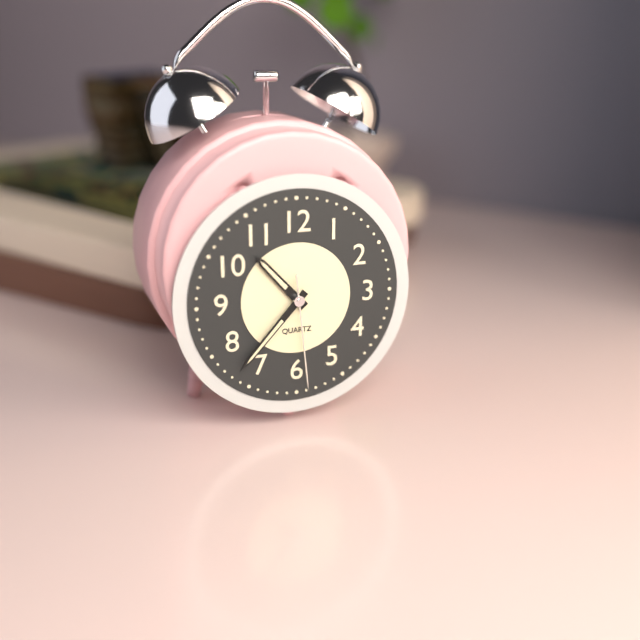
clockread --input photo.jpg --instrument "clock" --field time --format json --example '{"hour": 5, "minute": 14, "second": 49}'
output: {"hour": 10, "minute": 37, "second": 29}
